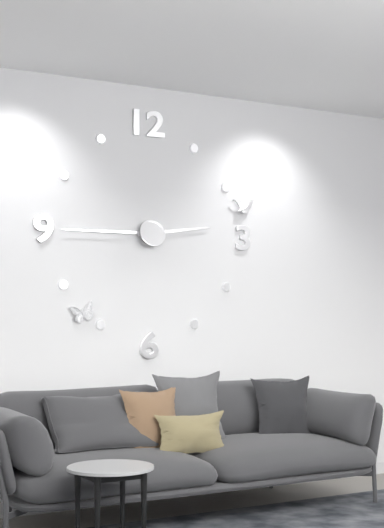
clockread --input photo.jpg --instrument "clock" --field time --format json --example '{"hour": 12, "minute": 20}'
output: {"hour": 2, "minute": 45}
